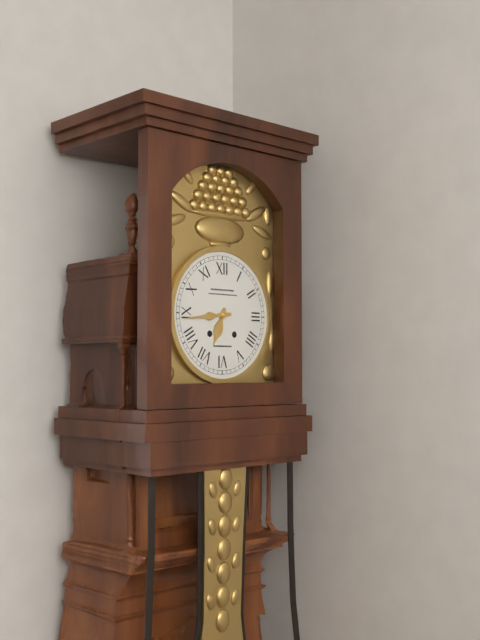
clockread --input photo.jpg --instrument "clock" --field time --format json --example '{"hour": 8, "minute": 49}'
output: {"hour": 6, "minute": 44}
